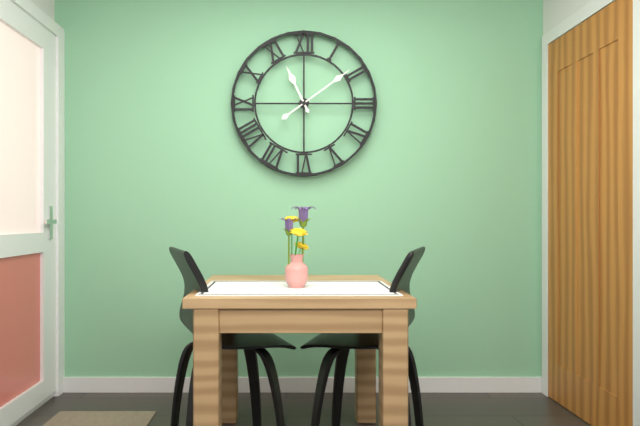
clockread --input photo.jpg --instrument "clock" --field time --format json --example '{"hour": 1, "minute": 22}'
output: {"hour": 11, "minute": 9}
